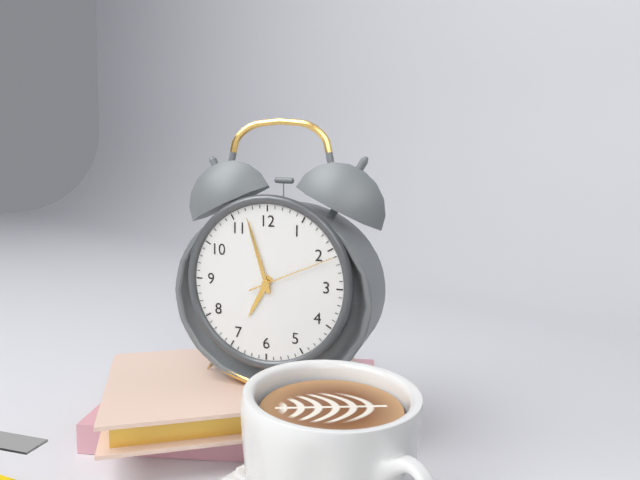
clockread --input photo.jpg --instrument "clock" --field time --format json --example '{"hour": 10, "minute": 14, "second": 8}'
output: {"hour": 6, "minute": 57, "second": 11}
